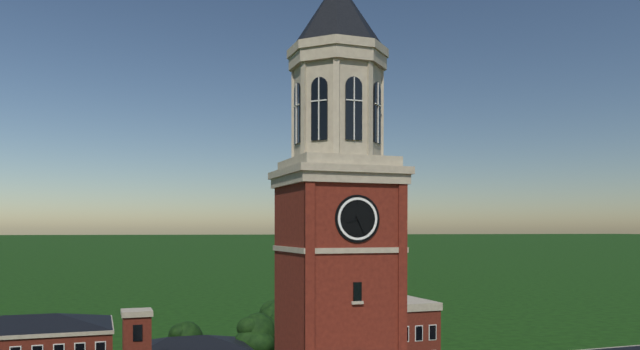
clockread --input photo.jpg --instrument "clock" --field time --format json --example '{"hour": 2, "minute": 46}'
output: {"hour": 8, "minute": 26}
